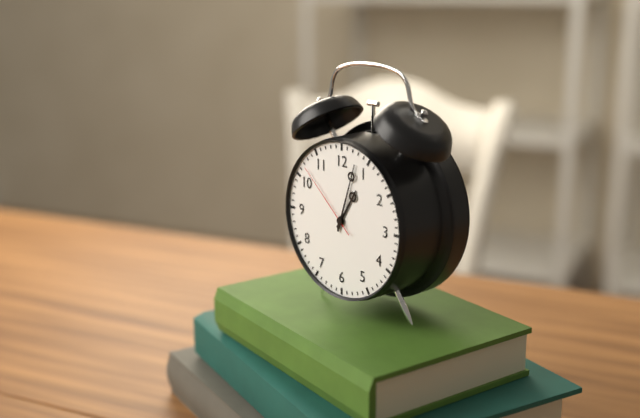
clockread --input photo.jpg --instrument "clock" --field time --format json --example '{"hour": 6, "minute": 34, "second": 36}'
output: {"hour": 1, "minute": 3, "second": 52}
